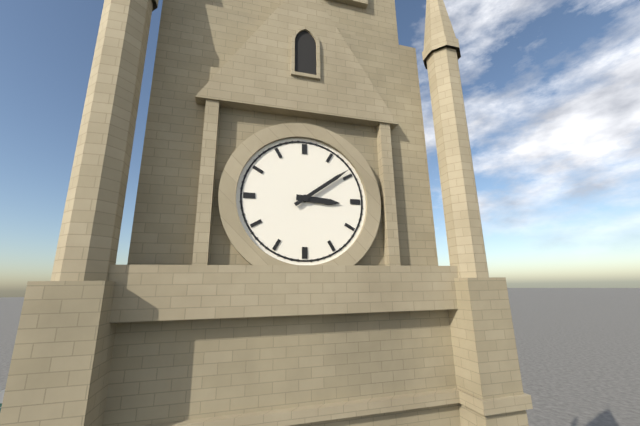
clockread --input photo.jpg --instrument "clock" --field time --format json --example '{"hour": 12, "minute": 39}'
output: {"hour": 3, "minute": 9}
